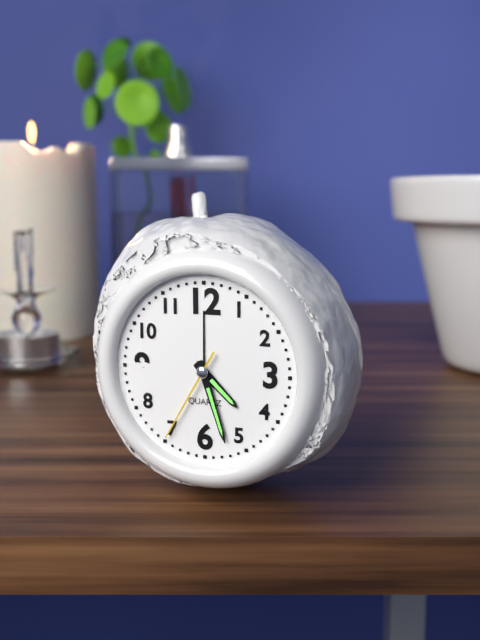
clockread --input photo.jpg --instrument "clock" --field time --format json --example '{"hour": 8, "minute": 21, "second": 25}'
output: {"hour": 4, "minute": 27, "second": 35}
